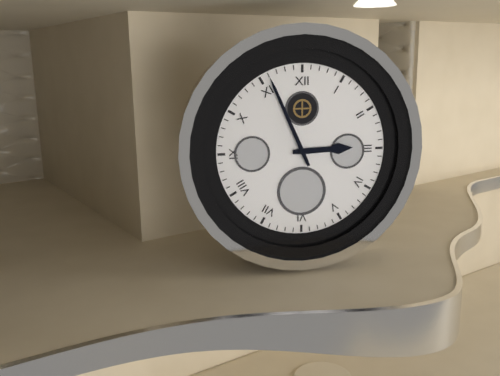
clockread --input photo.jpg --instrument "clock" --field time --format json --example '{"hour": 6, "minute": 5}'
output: {"hour": 2, "minute": 56}
